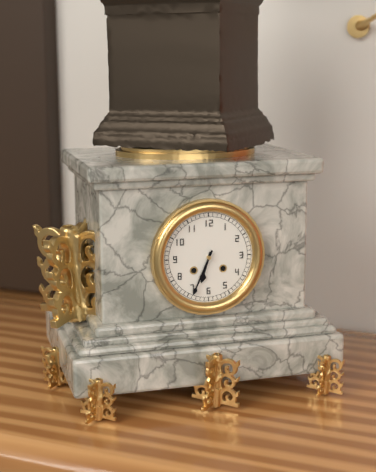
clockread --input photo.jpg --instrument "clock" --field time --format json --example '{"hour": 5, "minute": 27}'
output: {"hour": 6, "minute": 34}
